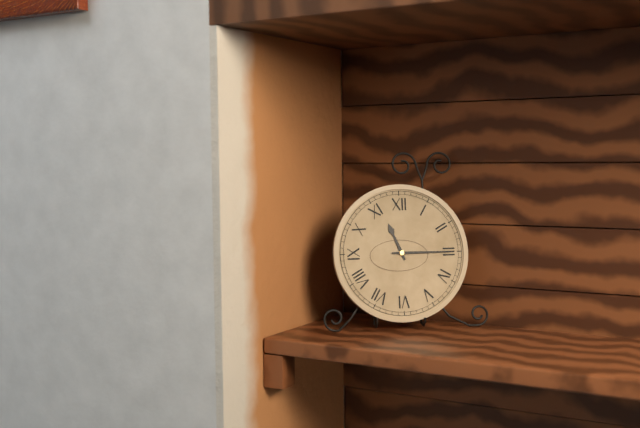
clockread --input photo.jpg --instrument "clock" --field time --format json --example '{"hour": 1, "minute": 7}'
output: {"hour": 11, "minute": 15}
